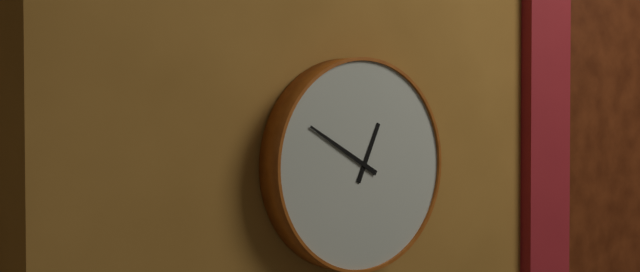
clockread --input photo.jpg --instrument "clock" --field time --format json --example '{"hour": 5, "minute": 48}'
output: {"hour": 12, "minute": 50}
